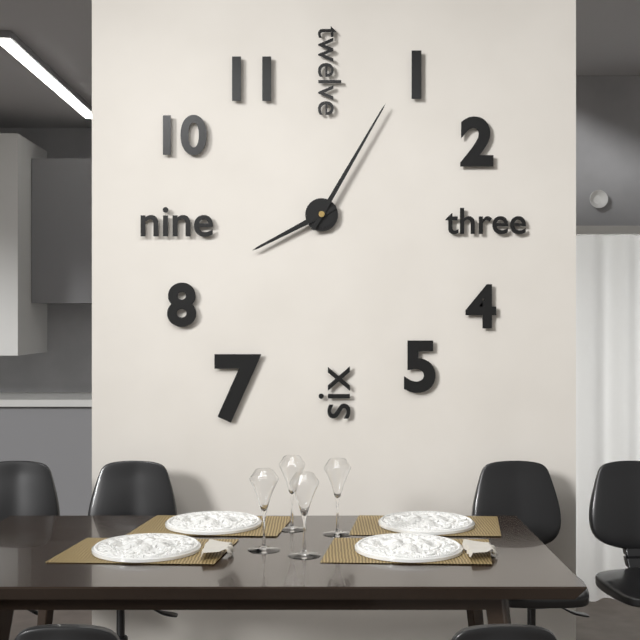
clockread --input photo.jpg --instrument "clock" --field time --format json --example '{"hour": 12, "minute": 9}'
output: {"hour": 8, "minute": 5}
